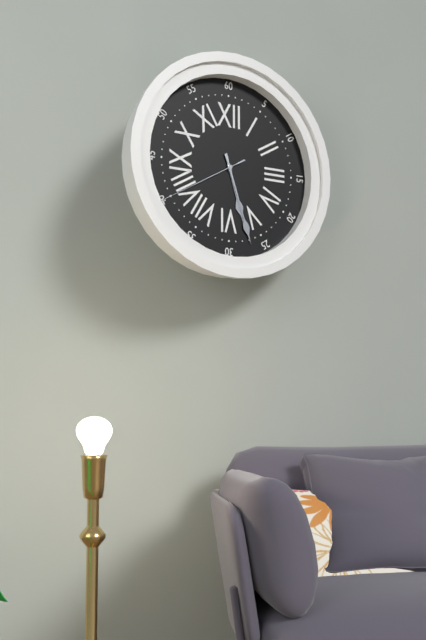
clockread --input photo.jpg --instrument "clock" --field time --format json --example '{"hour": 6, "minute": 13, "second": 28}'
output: {"hour": 5, "minute": 27, "second": 40}
